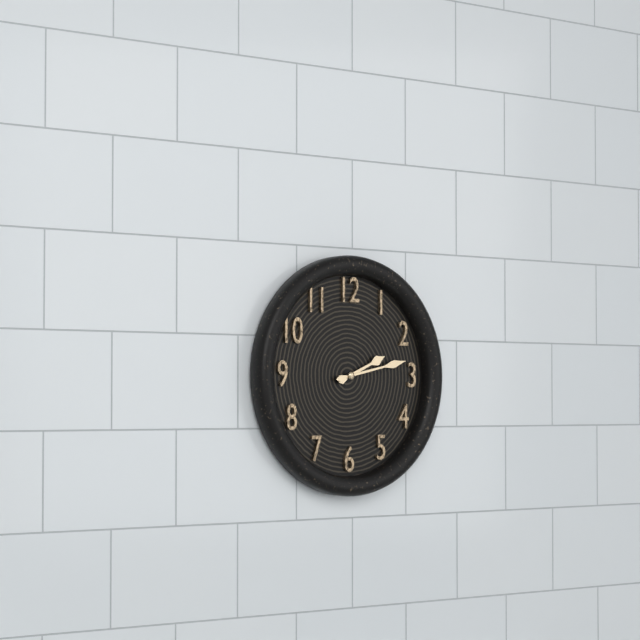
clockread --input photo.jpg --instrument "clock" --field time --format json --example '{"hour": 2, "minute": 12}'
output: {"hour": 2, "minute": 13}
